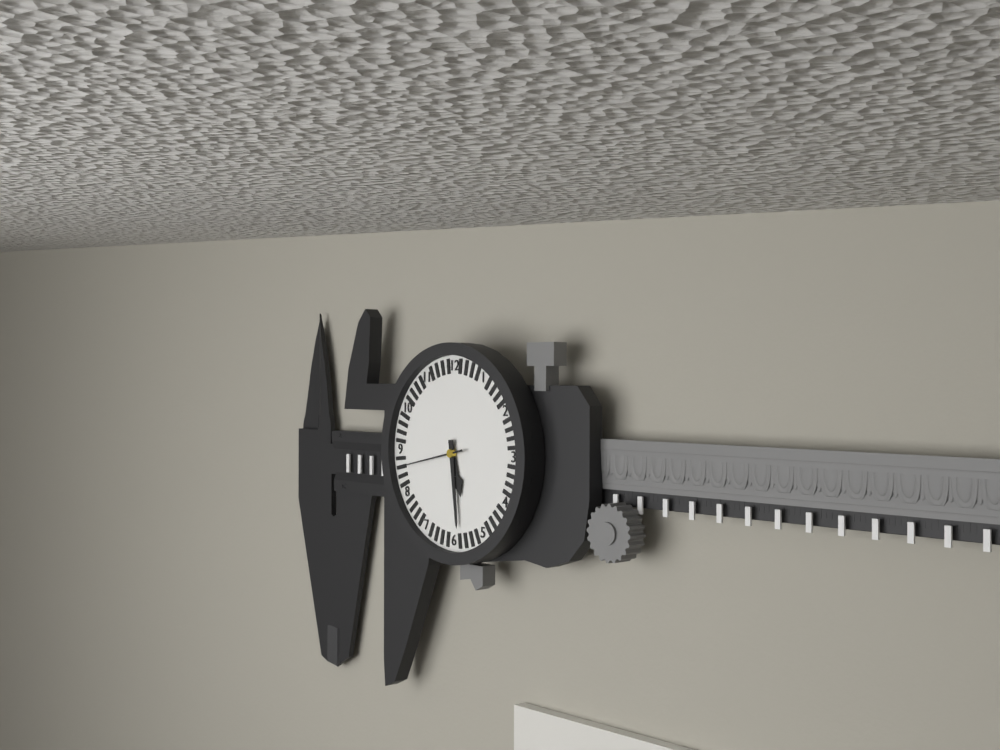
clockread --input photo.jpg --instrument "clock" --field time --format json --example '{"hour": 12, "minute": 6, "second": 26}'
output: {"hour": 5, "minute": 29, "second": 43}
